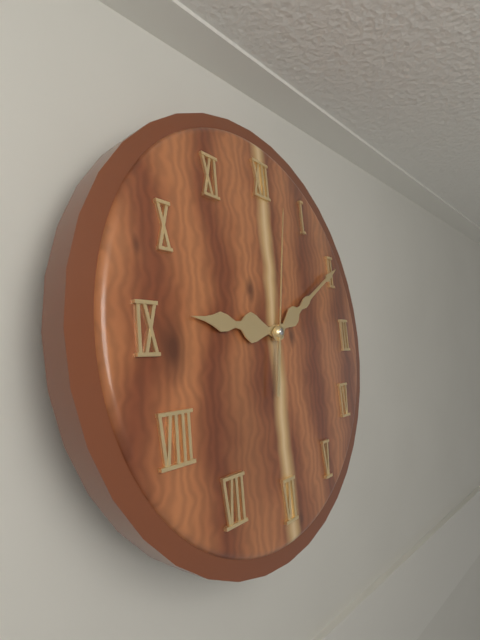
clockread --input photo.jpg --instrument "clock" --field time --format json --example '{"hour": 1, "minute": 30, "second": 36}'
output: {"hour": 9, "minute": 10, "second": 2}
